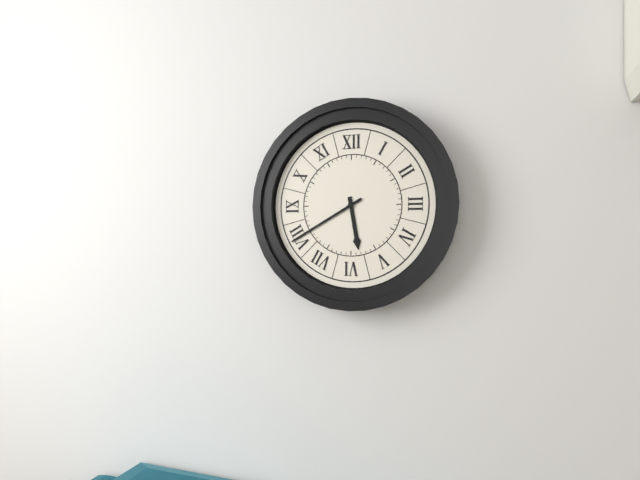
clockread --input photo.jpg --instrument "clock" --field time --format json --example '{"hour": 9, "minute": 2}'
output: {"hour": 5, "minute": 40}
